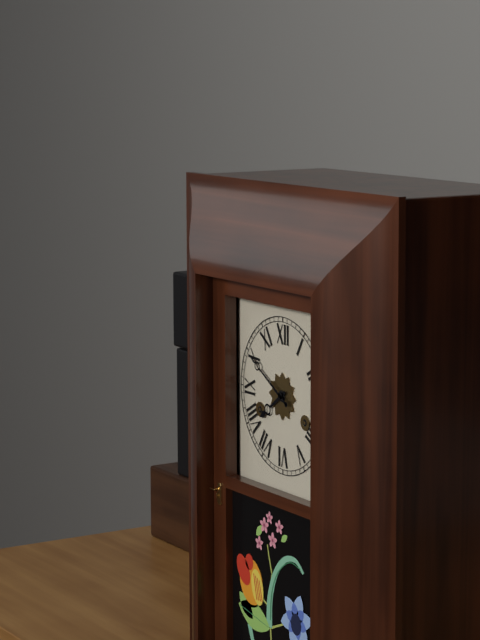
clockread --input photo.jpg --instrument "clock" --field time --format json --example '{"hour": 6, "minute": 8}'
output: {"hour": 7, "minute": 50}
